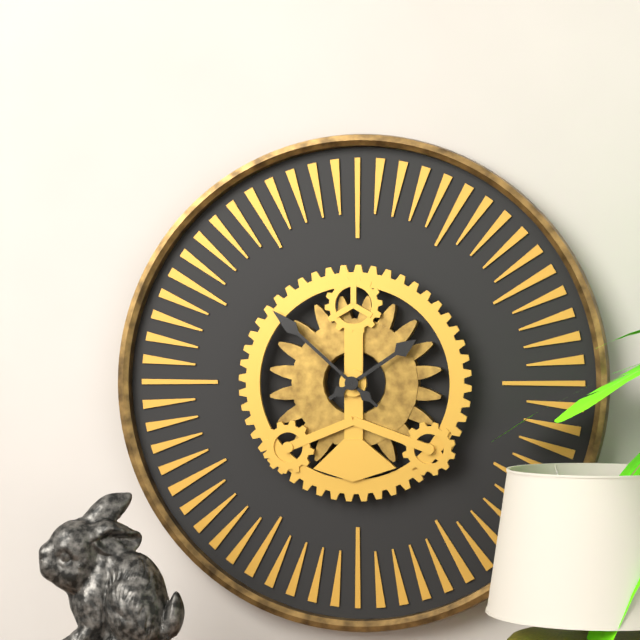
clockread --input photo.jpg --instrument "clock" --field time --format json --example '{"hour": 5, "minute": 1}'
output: {"hour": 1, "minute": 52}
